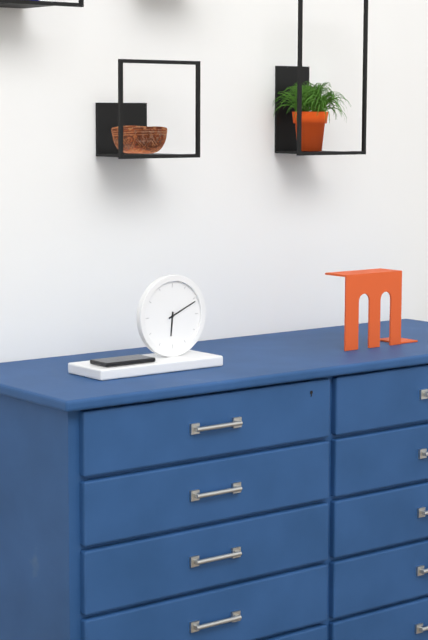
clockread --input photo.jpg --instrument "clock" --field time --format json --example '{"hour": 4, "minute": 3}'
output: {"hour": 6, "minute": 11}
